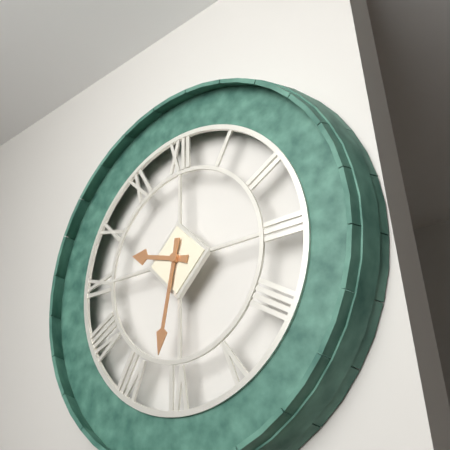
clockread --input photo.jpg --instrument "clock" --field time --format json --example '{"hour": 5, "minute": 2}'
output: {"hour": 9, "minute": 32}
